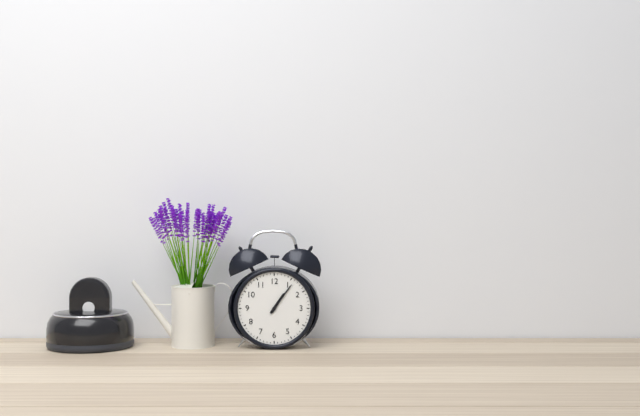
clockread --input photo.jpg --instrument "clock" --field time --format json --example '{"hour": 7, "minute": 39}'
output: {"hour": 1, "minute": 6}
